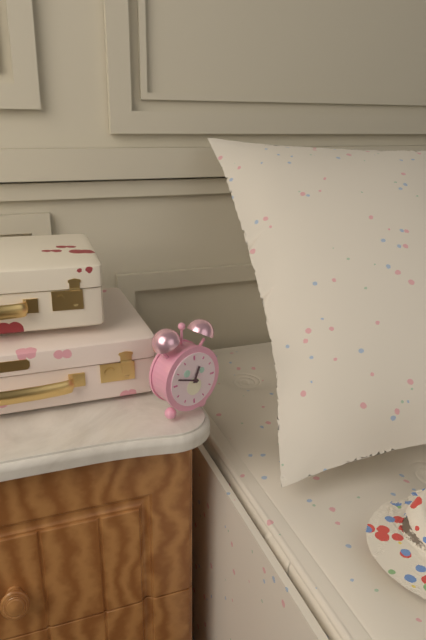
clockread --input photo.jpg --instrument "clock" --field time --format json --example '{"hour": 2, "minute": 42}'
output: {"hour": 12, "minute": 48}
